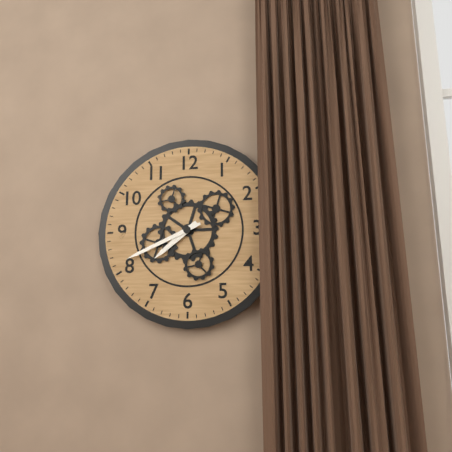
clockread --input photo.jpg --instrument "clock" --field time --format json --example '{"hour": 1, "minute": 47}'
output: {"hour": 7, "minute": 41}
